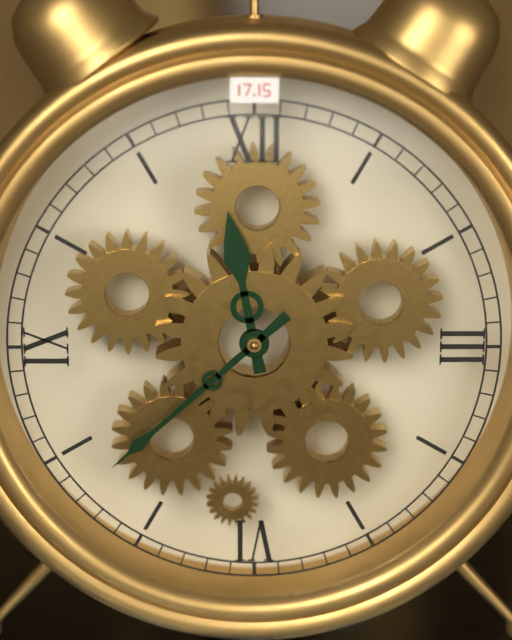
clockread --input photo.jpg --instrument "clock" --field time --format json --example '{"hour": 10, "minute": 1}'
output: {"hour": 11, "minute": 38}
